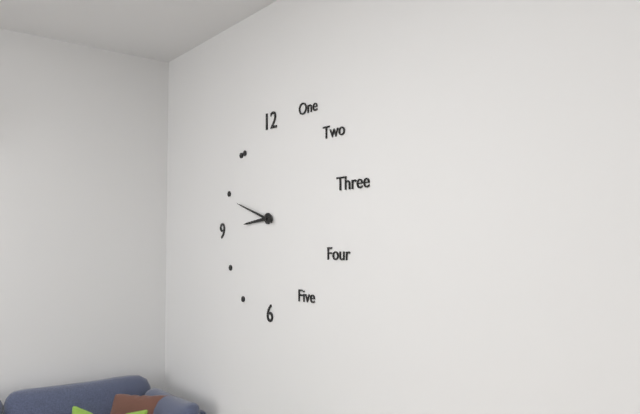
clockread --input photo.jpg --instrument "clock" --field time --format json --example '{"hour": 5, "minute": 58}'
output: {"hour": 8, "minute": 48}
